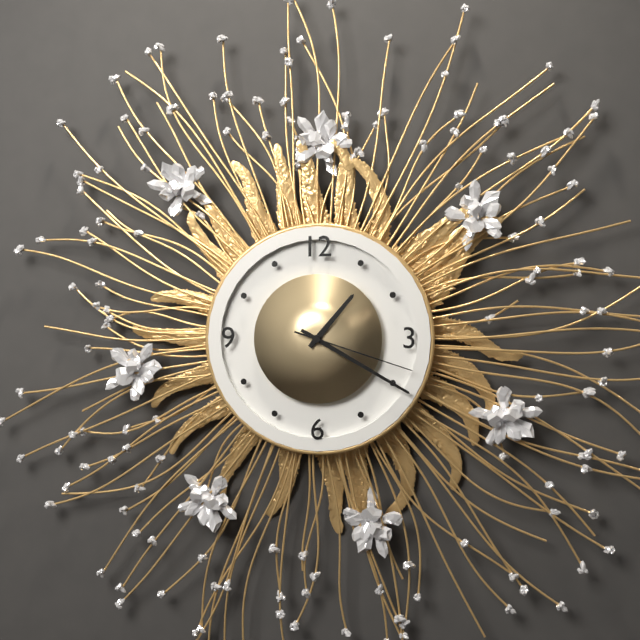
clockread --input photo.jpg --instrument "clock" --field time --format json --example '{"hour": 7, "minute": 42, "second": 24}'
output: {"hour": 1, "minute": 20, "second": 18}
